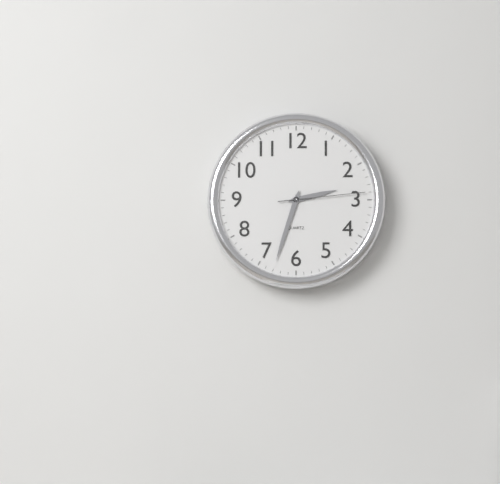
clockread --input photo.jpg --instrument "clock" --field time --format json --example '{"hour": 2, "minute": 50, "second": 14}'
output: {"hour": 2, "minute": 33, "second": 14}
